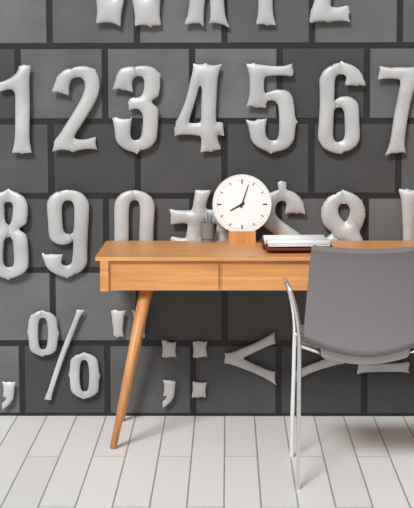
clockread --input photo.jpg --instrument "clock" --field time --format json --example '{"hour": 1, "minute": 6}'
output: {"hour": 8, "minute": 3}
